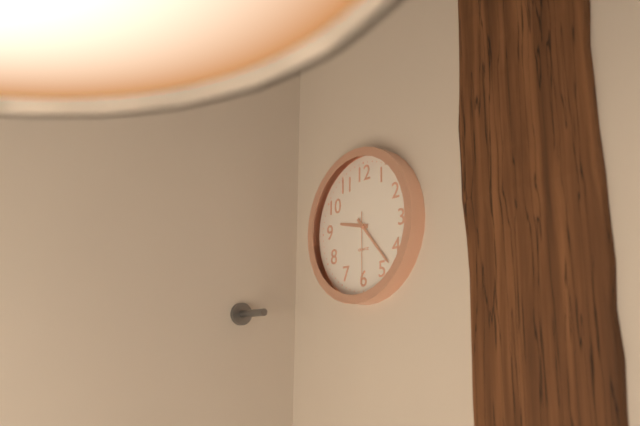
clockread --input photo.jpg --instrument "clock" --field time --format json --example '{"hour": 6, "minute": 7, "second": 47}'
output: {"hour": 9, "minute": 23, "second": 30}
